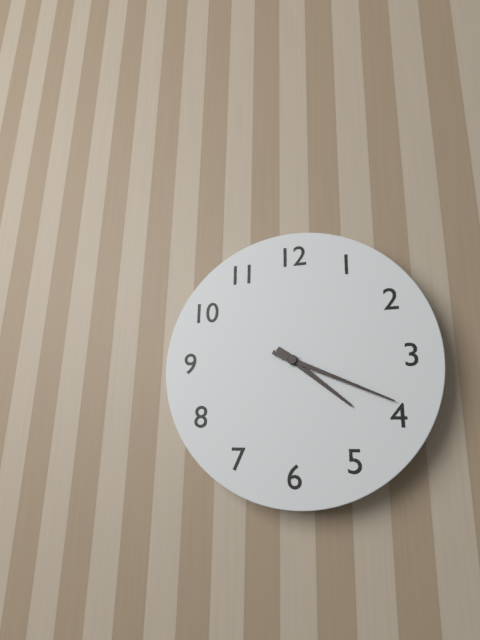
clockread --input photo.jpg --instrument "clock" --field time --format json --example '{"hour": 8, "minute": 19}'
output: {"hour": 4, "minute": 19}
